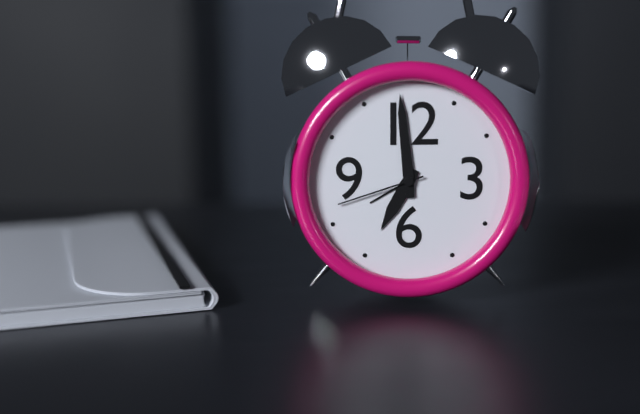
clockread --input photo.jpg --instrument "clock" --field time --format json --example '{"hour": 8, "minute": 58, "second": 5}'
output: {"hour": 6, "minute": 59, "second": 42}
